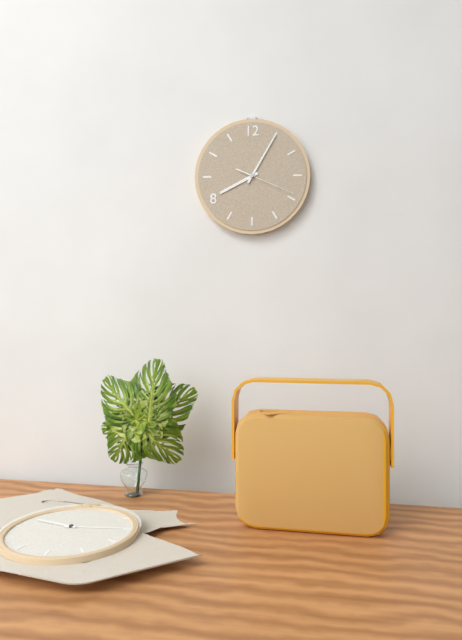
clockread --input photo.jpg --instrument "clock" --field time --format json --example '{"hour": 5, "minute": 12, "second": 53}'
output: {"hour": 8, "minute": 5, "second": 19}
